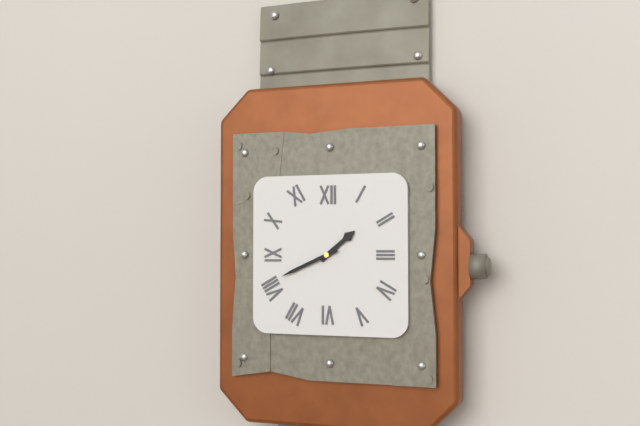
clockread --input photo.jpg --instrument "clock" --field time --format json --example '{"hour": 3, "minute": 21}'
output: {"hour": 1, "minute": 41}
